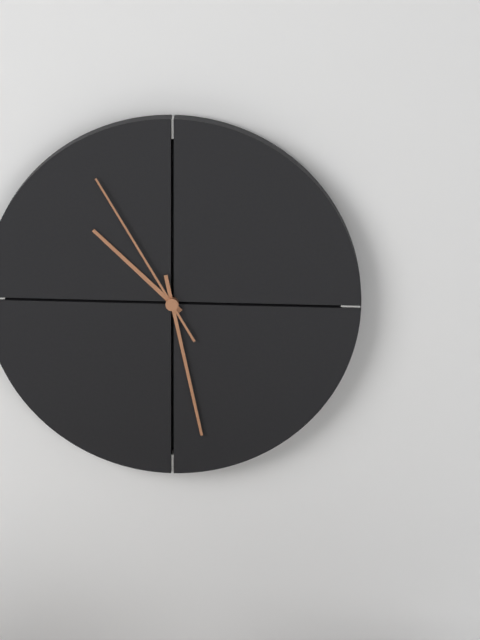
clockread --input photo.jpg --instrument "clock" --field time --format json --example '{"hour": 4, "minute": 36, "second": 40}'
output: {"hour": 10, "minute": 28, "second": 55}
